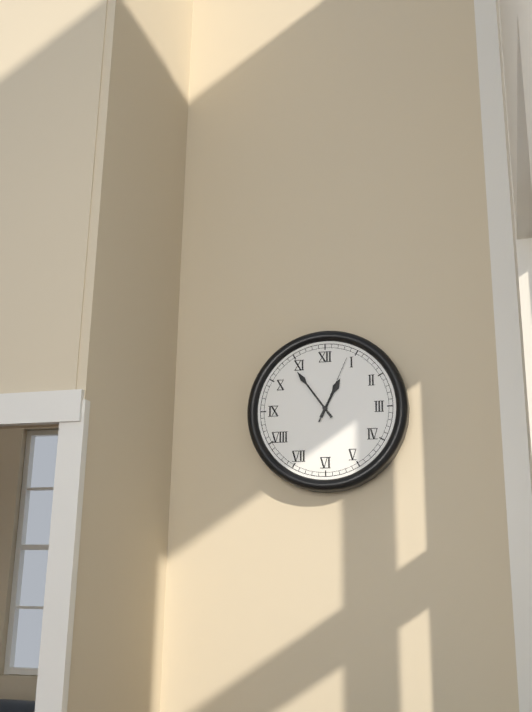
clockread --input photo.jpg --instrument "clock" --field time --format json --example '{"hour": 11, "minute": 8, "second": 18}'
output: {"hour": 12, "minute": 54, "second": 4}
